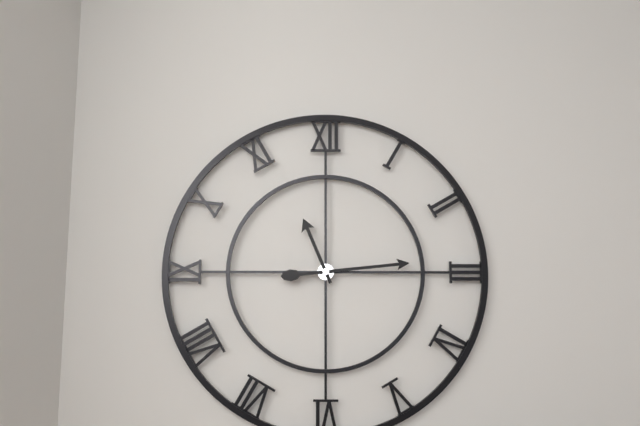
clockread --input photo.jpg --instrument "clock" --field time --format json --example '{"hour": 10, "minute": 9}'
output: {"hour": 11, "minute": 14}
